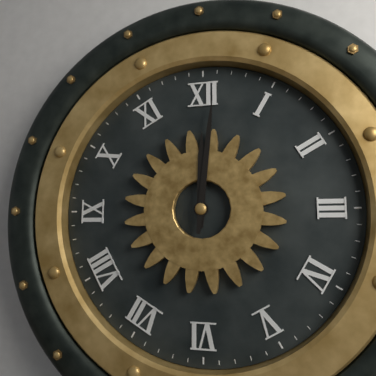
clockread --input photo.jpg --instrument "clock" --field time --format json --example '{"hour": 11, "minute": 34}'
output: {"hour": 12, "minute": 1}
